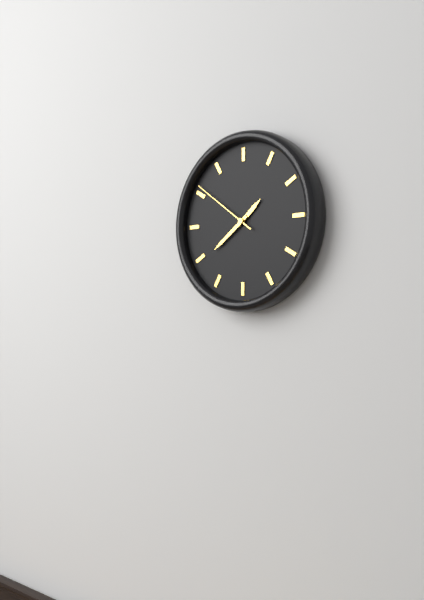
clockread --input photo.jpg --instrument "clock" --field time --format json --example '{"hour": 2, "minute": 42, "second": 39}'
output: {"hour": 1, "minute": 39, "second": 51}
